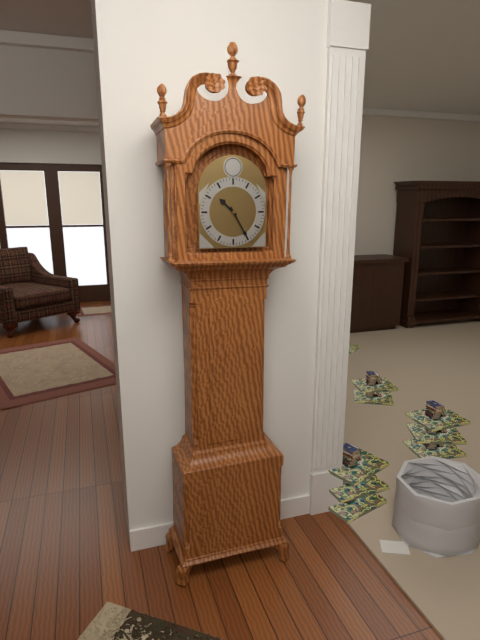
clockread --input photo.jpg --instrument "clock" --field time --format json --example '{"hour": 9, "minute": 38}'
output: {"hour": 10, "minute": 25}
